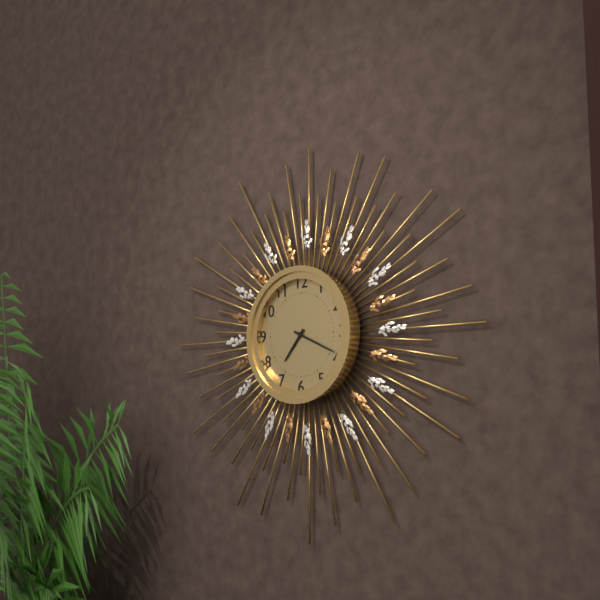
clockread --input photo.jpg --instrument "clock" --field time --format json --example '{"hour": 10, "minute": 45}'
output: {"hour": 7, "minute": 19}
